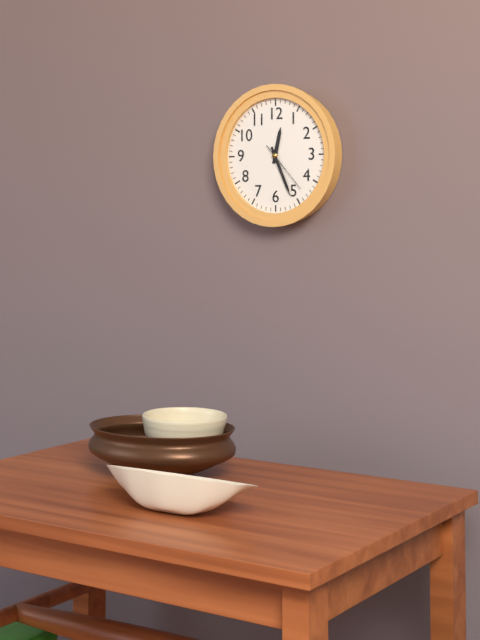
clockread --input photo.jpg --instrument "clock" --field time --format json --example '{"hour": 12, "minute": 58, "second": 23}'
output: {"hour": 12, "minute": 26, "second": 23}
